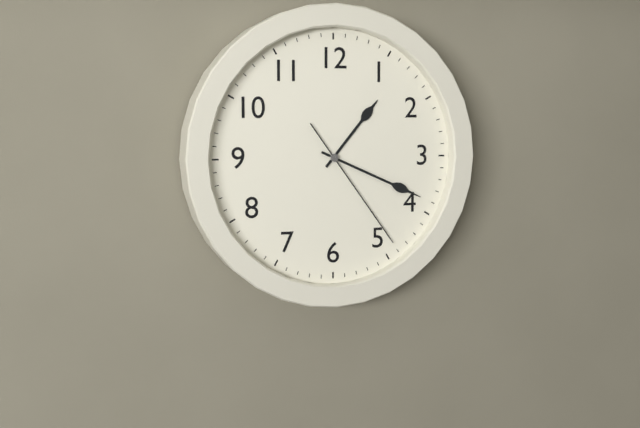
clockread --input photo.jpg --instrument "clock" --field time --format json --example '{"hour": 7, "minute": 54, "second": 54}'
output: {"hour": 1, "minute": 19, "second": 24}
